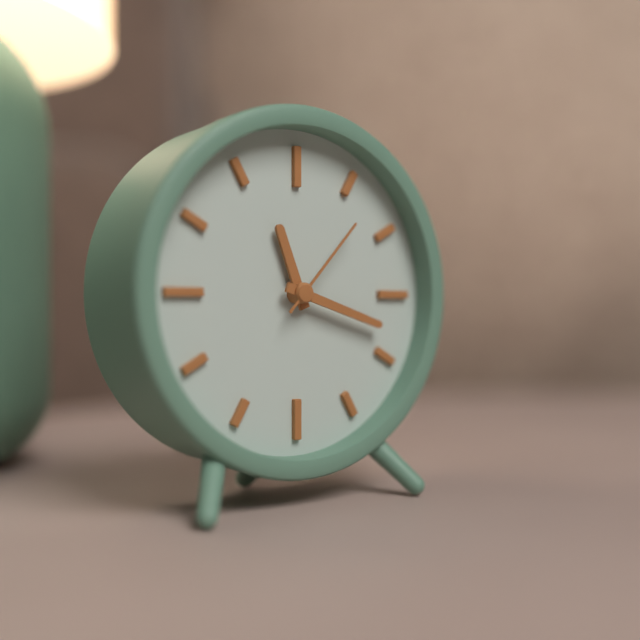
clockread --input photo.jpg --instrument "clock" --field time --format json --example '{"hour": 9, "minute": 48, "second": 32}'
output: {"hour": 11, "minute": 18, "second": 7}
